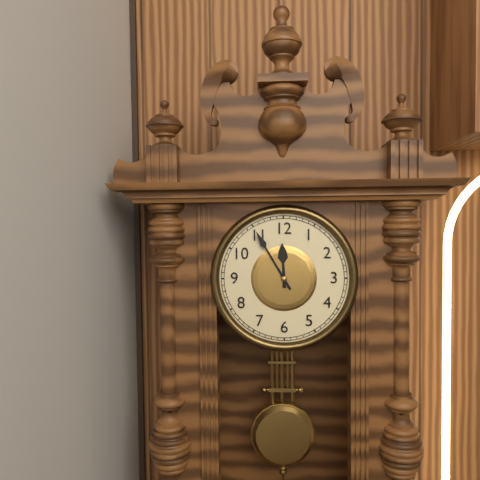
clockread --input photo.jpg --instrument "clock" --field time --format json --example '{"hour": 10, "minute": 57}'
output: {"hour": 11, "minute": 55}
